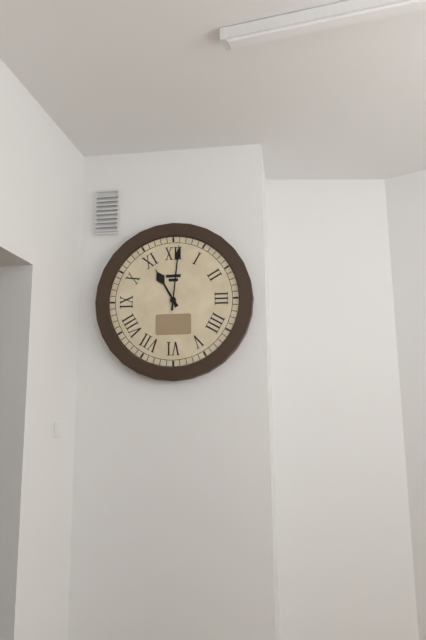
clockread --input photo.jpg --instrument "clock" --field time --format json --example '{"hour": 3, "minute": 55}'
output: {"hour": 11, "minute": 1}
